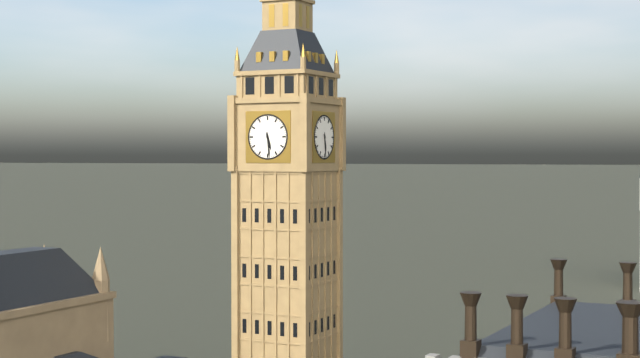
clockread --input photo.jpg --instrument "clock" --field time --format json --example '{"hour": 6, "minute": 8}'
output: {"hour": 5, "minute": 29}
